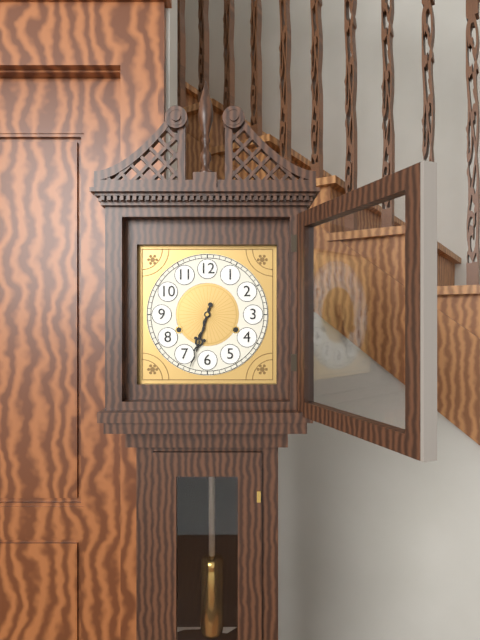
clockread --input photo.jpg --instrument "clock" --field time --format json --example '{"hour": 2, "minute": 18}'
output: {"hour": 6, "minute": 33}
